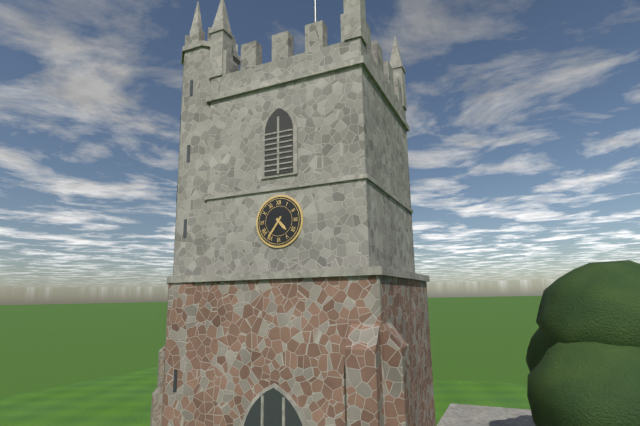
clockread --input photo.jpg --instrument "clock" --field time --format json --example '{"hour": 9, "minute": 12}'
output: {"hour": 4, "minute": 36}
